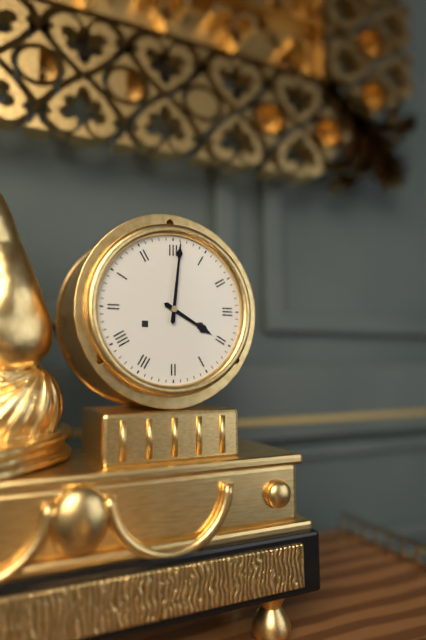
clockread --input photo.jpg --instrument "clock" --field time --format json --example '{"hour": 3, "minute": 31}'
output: {"hour": 4, "minute": 1}
